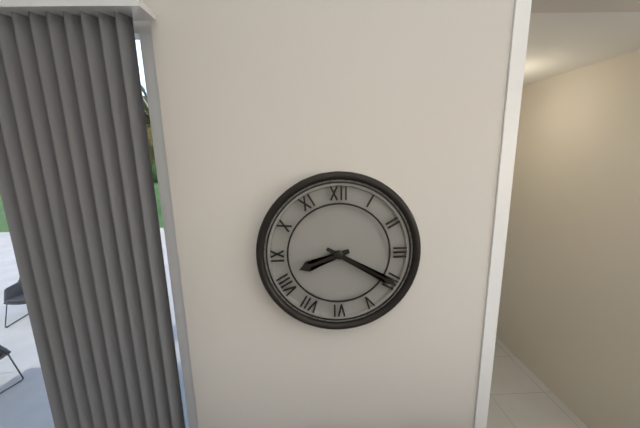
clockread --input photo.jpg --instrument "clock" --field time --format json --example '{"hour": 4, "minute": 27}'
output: {"hour": 8, "minute": 20}
